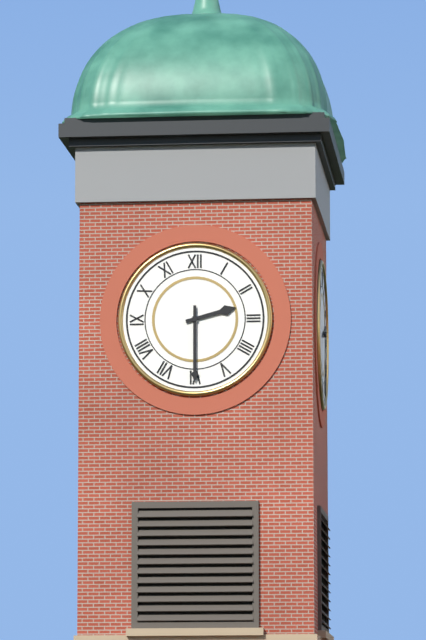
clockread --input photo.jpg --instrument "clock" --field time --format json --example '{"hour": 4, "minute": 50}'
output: {"hour": 2, "minute": 30}
